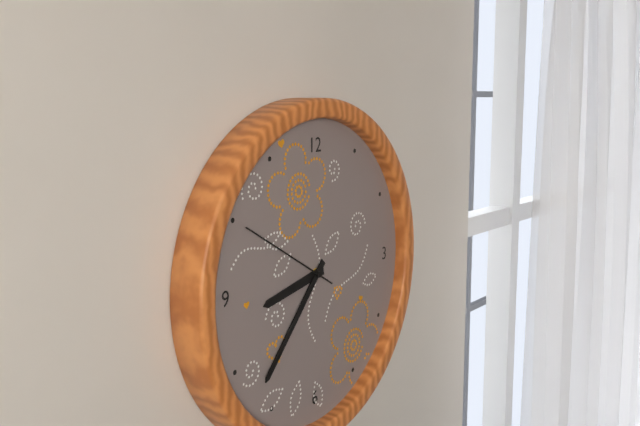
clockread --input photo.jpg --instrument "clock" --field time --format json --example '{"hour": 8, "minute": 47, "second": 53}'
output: {"hour": 8, "minute": 37, "second": 50}
